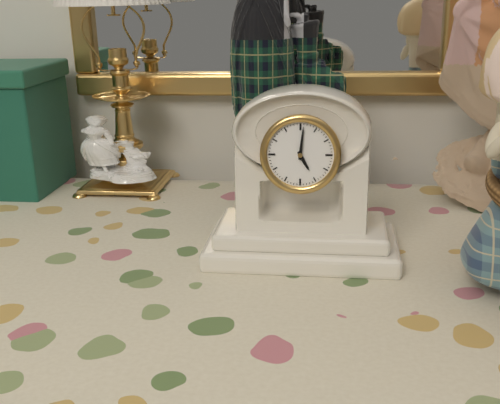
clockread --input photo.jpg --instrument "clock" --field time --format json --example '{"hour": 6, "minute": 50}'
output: {"hour": 5, "minute": 1}
